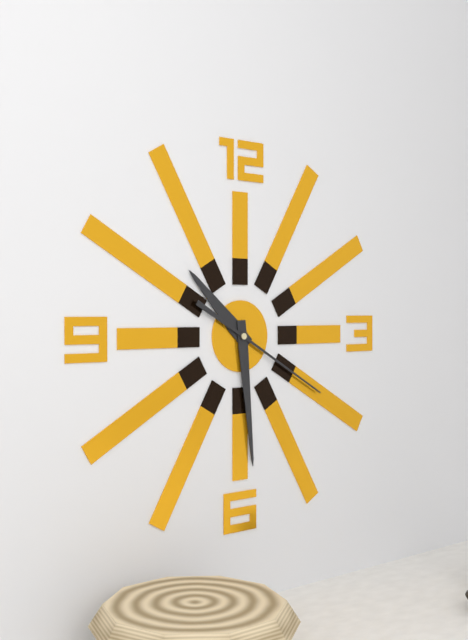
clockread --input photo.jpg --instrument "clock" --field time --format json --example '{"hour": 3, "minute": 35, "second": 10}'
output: {"hour": 10, "minute": 29, "second": 20}
